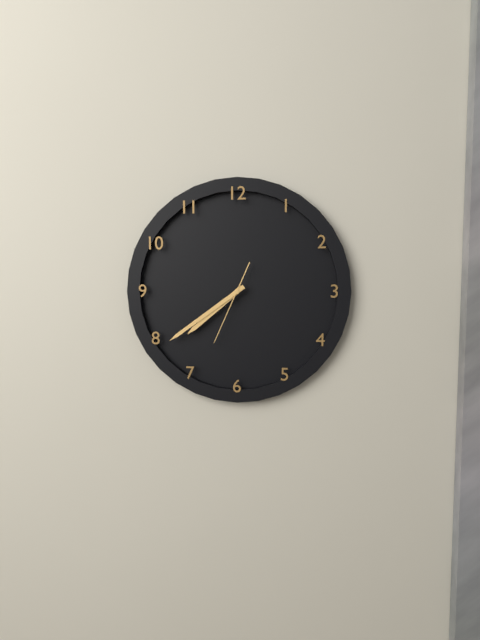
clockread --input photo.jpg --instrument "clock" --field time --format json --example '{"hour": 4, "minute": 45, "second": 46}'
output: {"hour": 7, "minute": 39, "second": 34}
